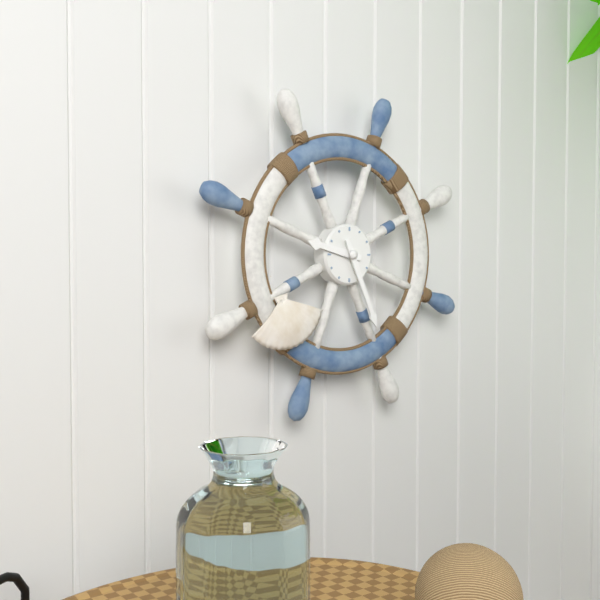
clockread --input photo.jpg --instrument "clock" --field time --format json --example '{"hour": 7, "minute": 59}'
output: {"hour": 9, "minute": 26}
